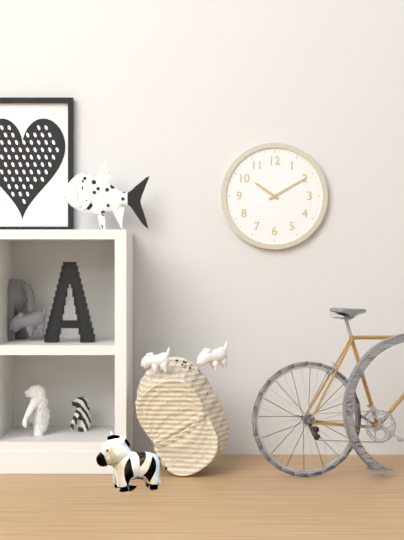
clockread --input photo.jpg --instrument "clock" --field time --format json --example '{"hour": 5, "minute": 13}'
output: {"hour": 10, "minute": 10}
